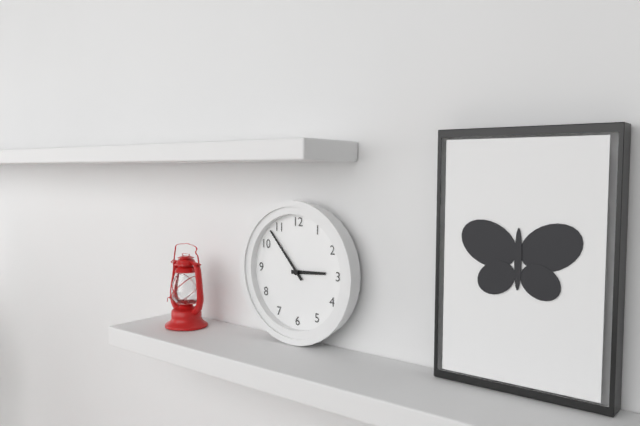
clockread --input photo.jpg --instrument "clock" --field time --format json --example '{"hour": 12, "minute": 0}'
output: {"hour": 2, "minute": 53}
